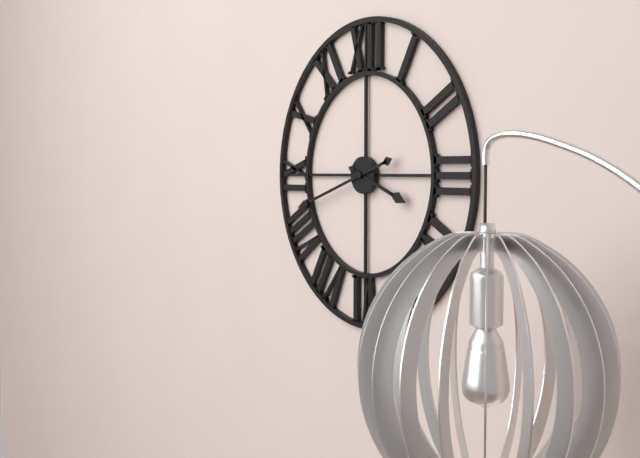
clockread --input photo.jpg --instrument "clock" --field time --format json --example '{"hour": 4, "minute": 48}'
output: {"hour": 3, "minute": 42}
